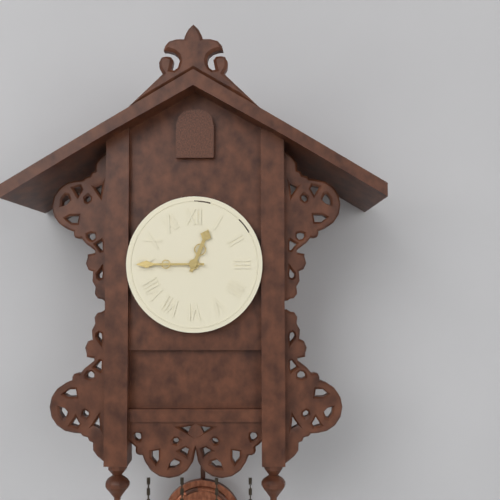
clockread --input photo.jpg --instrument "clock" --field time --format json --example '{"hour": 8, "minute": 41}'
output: {"hour": 12, "minute": 45}
